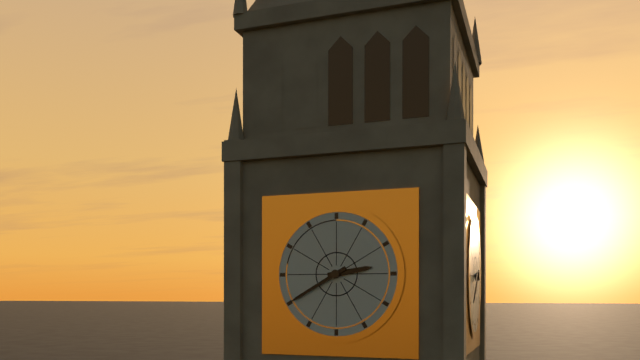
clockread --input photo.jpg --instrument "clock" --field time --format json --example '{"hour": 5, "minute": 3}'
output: {"hour": 2, "minute": 40}
